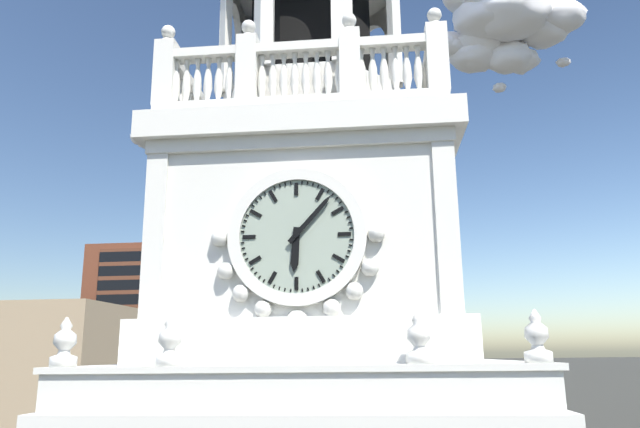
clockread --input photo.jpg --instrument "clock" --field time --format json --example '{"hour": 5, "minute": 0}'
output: {"hour": 6, "minute": 7}
